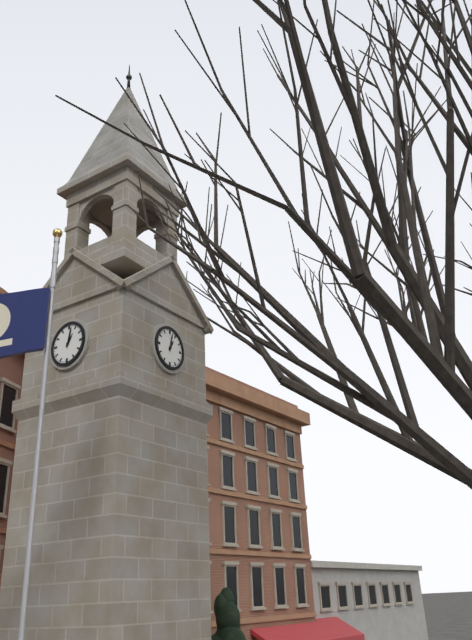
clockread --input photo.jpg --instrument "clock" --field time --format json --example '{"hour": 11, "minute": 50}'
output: {"hour": 1, "minute": 2}
